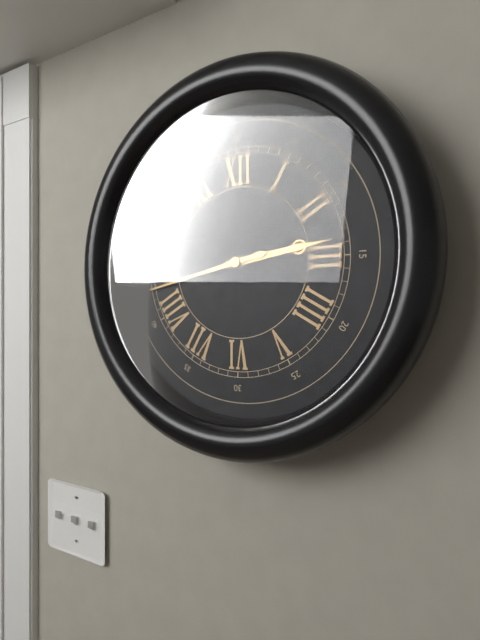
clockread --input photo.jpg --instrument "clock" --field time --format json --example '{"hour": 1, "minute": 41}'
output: {"hour": 2, "minute": 43}
